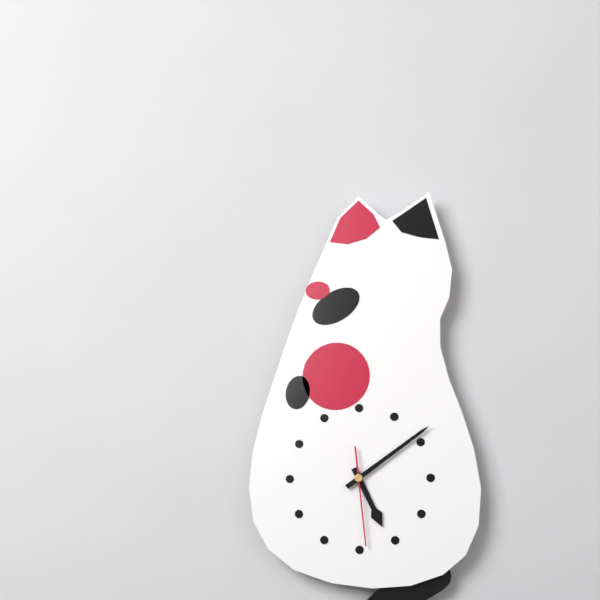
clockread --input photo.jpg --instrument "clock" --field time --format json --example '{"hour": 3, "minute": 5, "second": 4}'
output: {"hour": 5, "minute": 9, "second": 29}
